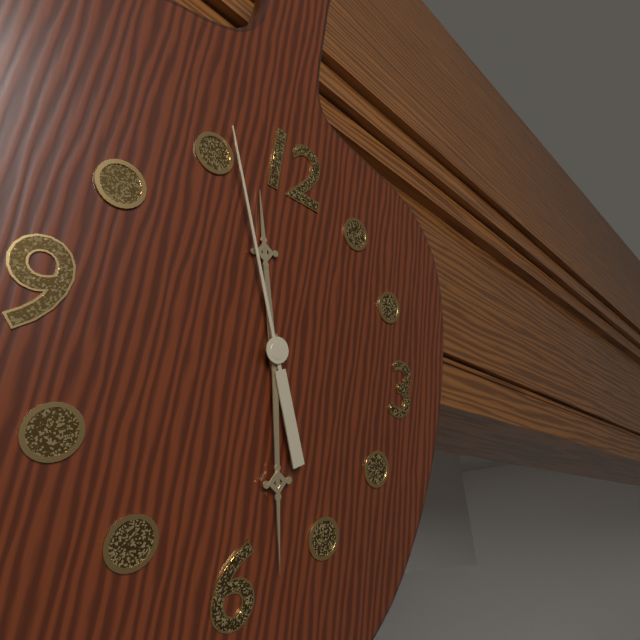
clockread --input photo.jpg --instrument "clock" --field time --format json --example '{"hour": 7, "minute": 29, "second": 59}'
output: {"hour": 11, "minute": 28, "second": 56}
